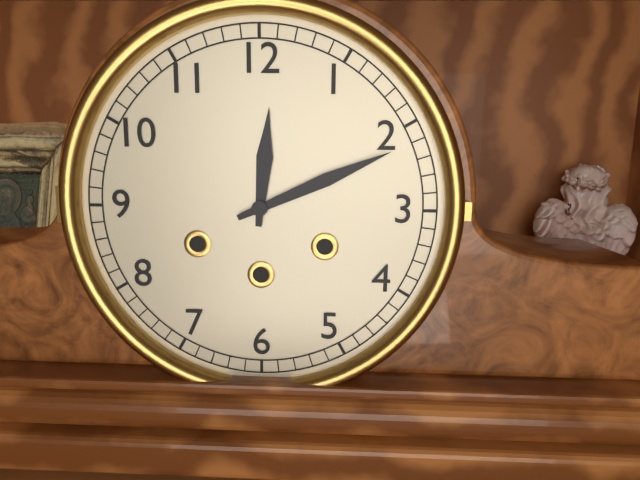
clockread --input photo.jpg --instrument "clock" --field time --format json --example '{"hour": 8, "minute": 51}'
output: {"hour": 12, "minute": 11}
